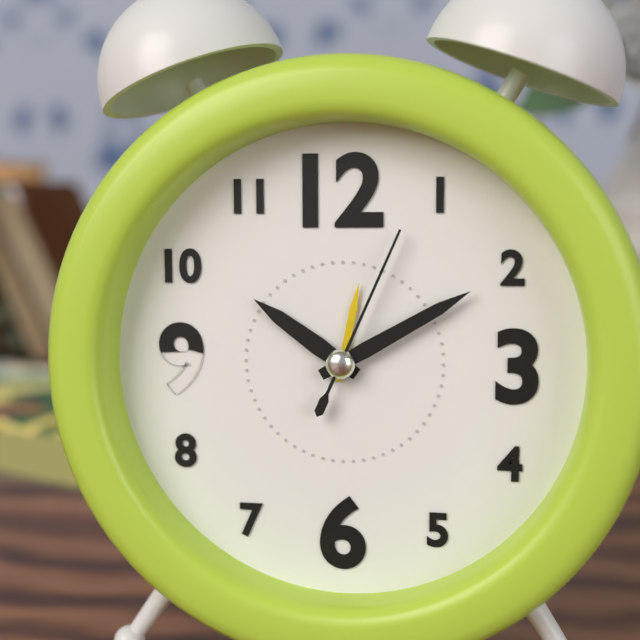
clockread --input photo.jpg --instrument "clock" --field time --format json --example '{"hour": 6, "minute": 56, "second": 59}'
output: {"hour": 10, "minute": 10, "second": 4}
